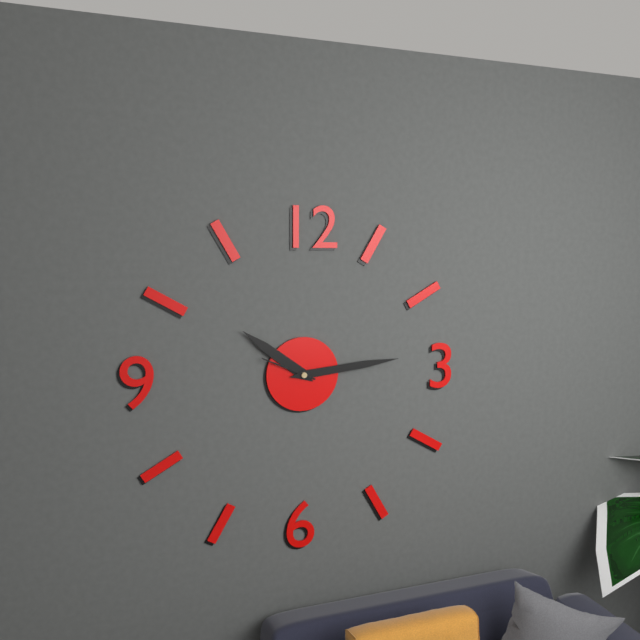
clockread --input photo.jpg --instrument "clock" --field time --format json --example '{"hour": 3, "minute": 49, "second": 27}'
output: {"hour": 10, "minute": 14, "second": 49}
